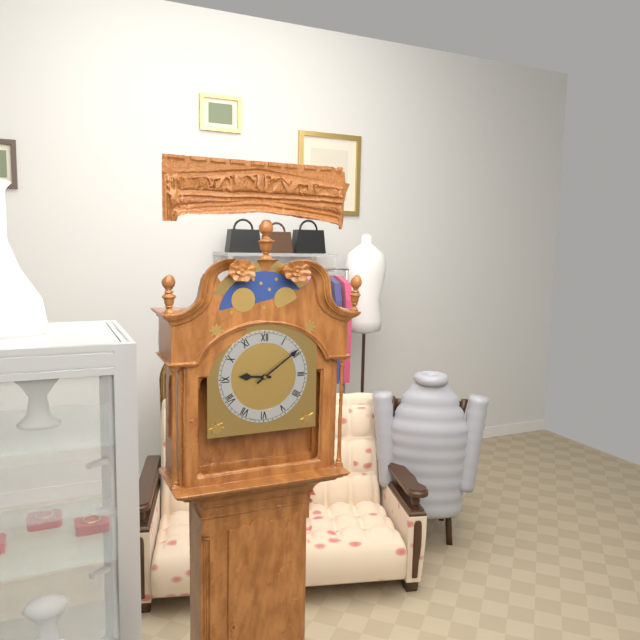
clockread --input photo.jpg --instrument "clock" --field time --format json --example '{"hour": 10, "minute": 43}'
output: {"hour": 9, "minute": 9}
